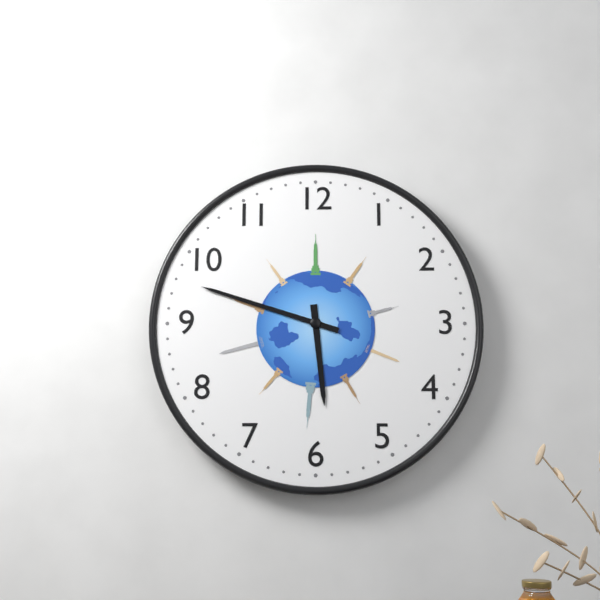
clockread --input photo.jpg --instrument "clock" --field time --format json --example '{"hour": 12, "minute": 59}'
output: {"hour": 5, "minute": 48}
